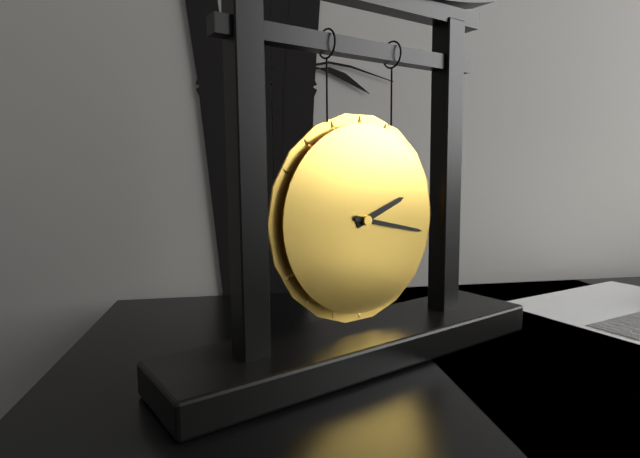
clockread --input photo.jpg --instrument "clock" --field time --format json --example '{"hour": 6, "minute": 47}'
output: {"hour": 2, "minute": 17}
